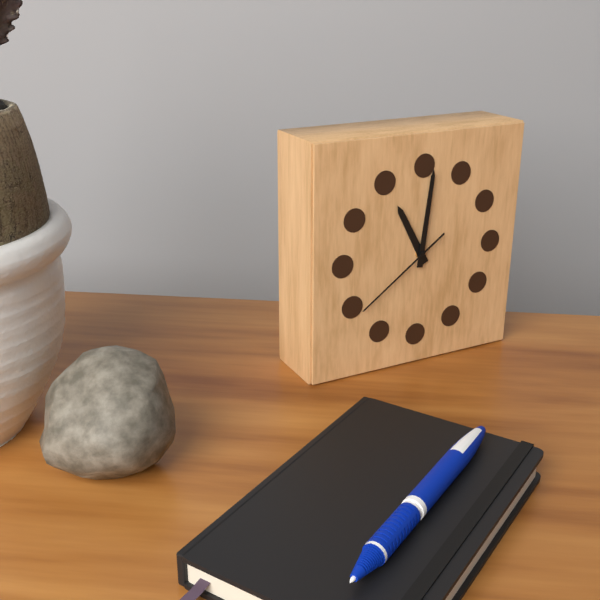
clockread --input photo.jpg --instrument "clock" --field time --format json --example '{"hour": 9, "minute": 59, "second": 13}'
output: {"hour": 11, "minute": 1, "second": 39}
